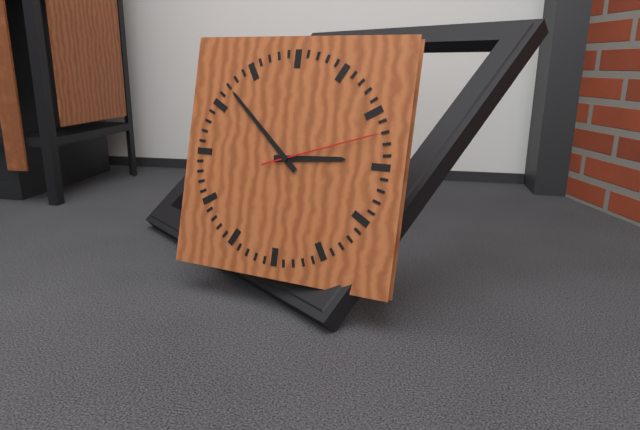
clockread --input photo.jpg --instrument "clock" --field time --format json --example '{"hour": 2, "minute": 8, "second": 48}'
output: {"hour": 2, "minute": 52, "second": 12}
